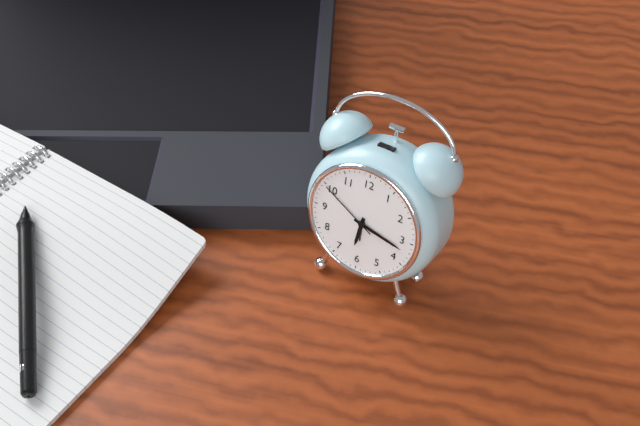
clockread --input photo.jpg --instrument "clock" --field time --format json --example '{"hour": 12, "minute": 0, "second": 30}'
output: {"hour": 6, "minute": 17, "second": 50}
